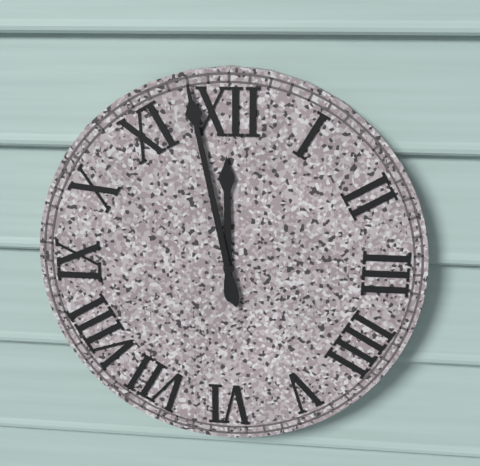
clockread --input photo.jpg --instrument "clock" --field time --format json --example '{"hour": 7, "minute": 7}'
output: {"hour": 11, "minute": 58}
